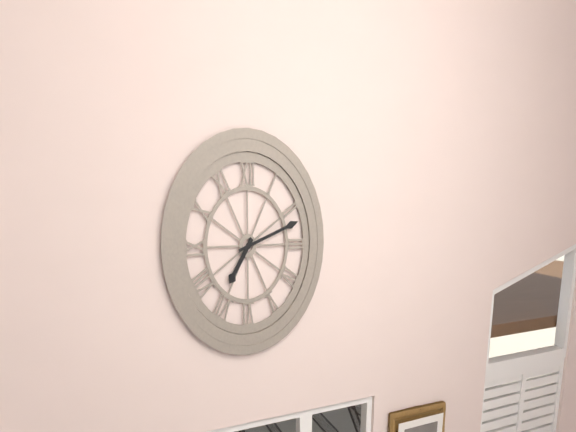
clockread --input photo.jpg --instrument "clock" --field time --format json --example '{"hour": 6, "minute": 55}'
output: {"hour": 7, "minute": 12}
